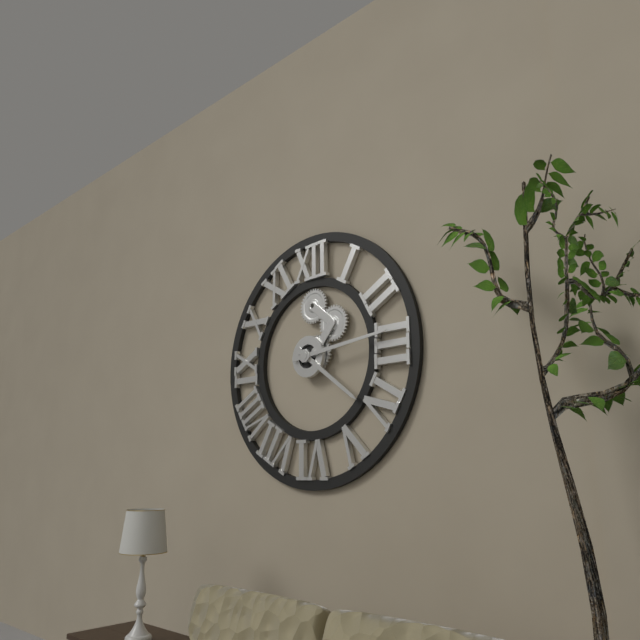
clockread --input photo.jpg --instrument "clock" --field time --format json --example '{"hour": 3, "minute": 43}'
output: {"hour": 4, "minute": 14}
